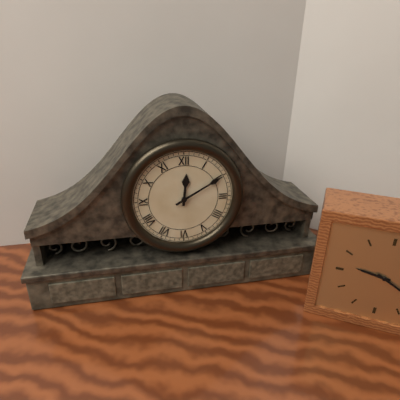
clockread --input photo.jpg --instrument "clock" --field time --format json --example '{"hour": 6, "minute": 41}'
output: {"hour": 12, "minute": 10}
